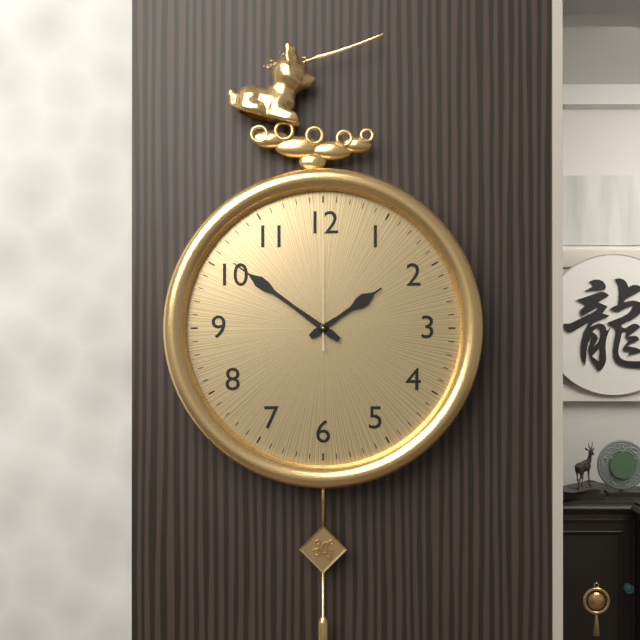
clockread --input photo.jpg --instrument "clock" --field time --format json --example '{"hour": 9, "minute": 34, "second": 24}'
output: {"hour": 1, "minute": 51, "second": 0}
